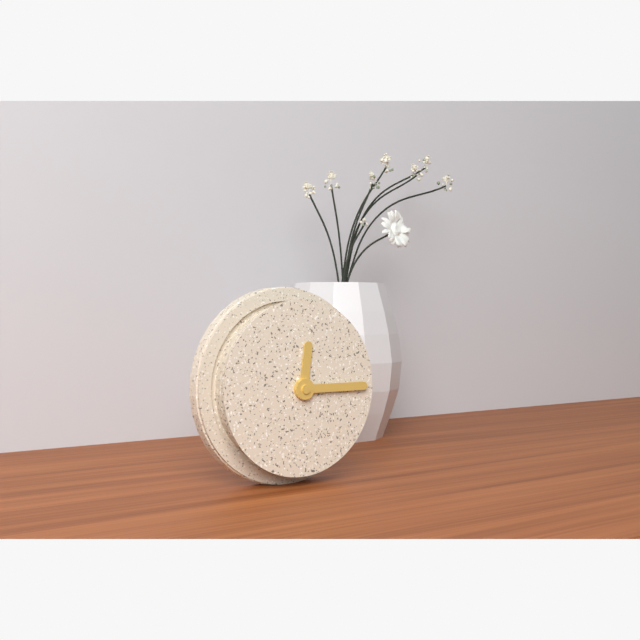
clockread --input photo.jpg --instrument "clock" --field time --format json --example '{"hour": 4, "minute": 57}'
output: {"hour": 12, "minute": 15}
